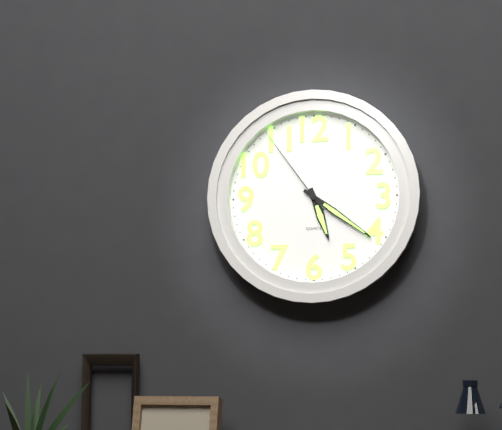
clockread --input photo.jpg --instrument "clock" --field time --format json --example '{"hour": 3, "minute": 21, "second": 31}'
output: {"hour": 5, "minute": 21, "second": 54}
